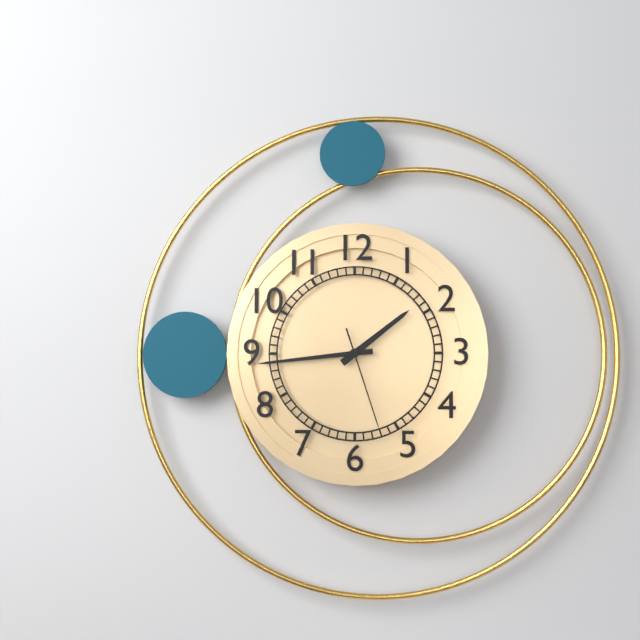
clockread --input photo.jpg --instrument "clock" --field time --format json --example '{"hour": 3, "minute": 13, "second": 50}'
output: {"hour": 1, "minute": 44, "second": 27}
